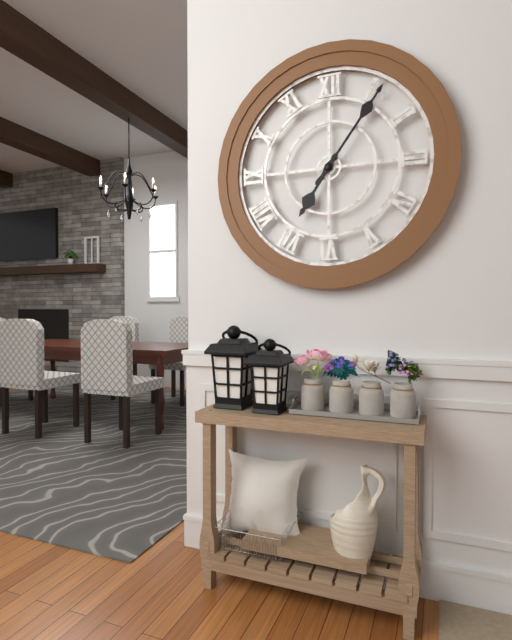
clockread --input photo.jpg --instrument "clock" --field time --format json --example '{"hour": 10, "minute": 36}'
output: {"hour": 7, "minute": 6}
